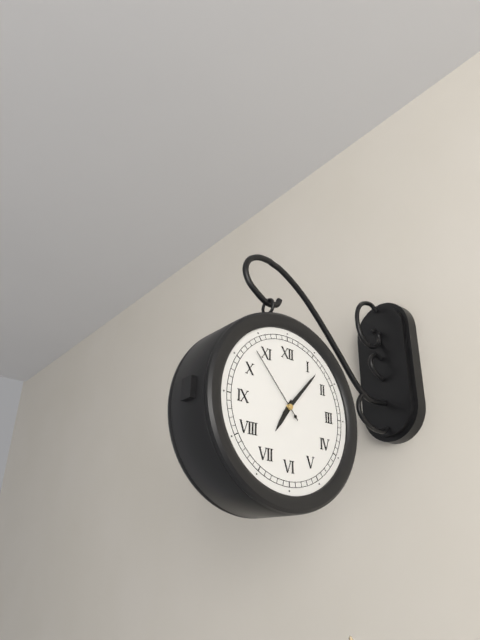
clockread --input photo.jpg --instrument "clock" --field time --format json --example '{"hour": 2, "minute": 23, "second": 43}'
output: {"hour": 7, "minute": 7, "second": 53}
